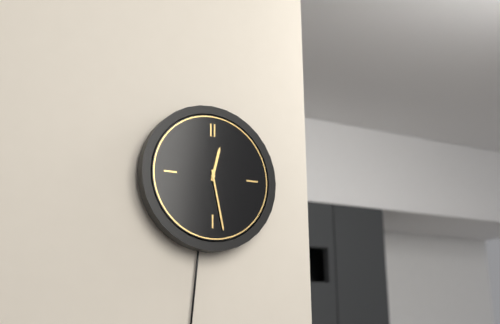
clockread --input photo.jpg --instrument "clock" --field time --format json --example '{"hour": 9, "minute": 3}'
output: {"hour": 12, "minute": 28}
